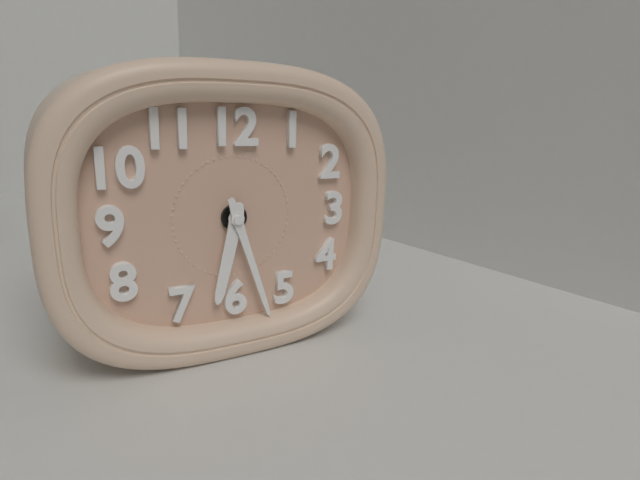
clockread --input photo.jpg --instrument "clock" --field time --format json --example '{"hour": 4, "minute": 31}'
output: {"hour": 6, "minute": 27}
